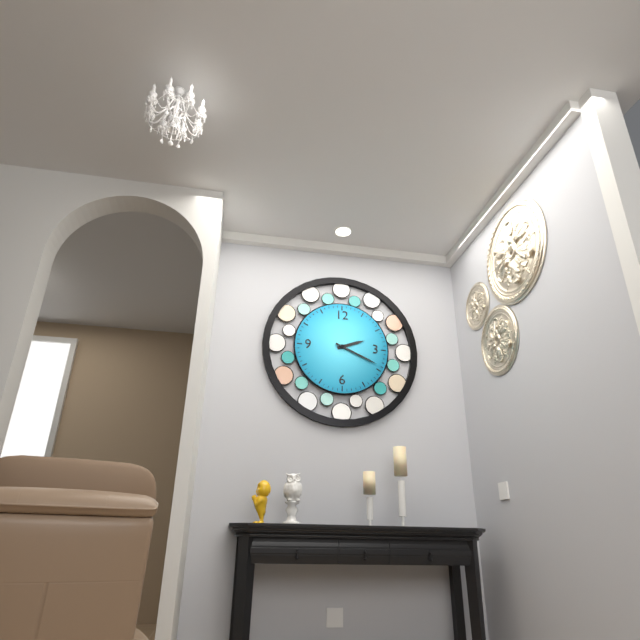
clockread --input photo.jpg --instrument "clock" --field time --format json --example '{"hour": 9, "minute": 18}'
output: {"hour": 2, "minute": 19}
